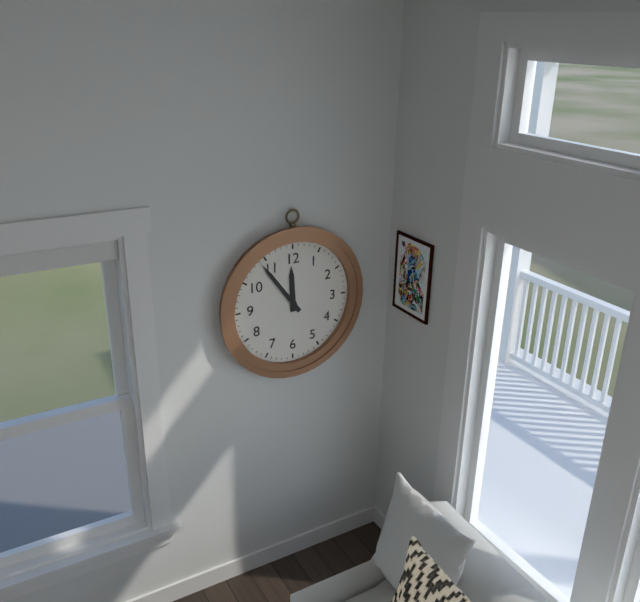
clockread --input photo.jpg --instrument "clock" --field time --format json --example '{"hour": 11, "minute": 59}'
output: {"hour": 11, "minute": 54}
